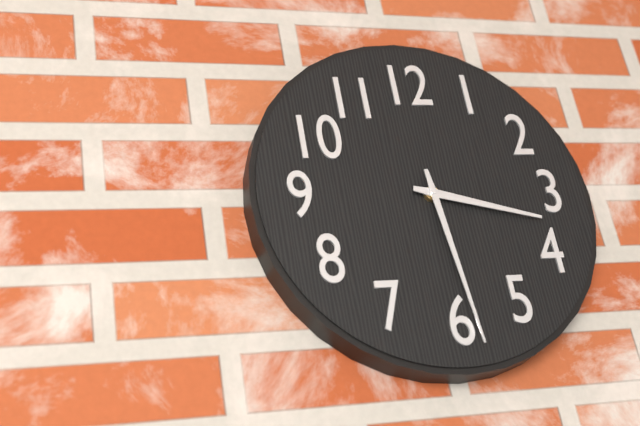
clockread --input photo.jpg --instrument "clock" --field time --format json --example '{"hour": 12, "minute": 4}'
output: {"hour": 3, "minute": 29}
